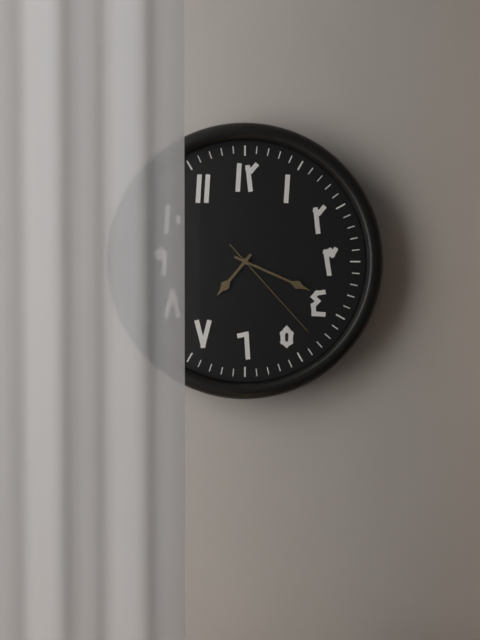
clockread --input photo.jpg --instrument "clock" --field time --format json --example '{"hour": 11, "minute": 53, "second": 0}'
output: {"hour": 7, "minute": 19, "second": 23}
